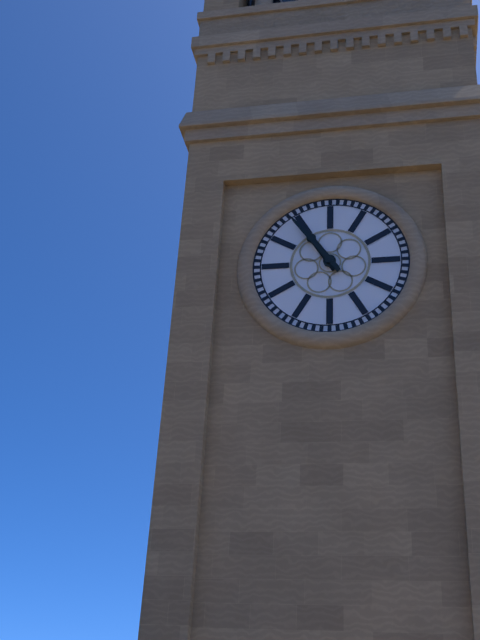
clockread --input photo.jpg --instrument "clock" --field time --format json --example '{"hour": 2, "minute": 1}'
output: {"hour": 10, "minute": 54}
